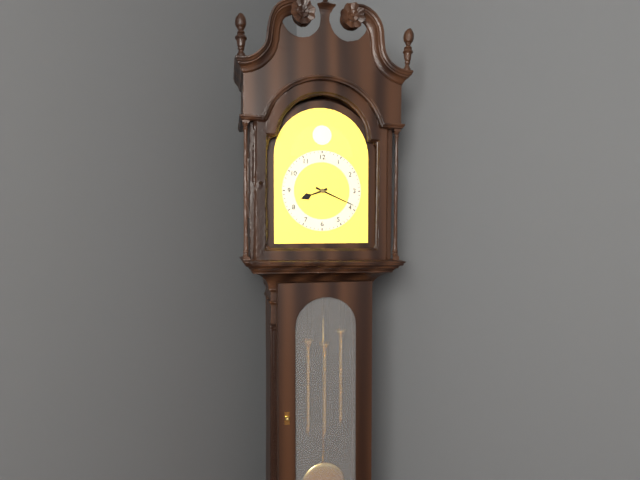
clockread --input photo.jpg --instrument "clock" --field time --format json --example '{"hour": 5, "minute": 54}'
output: {"hour": 8, "minute": 19}
